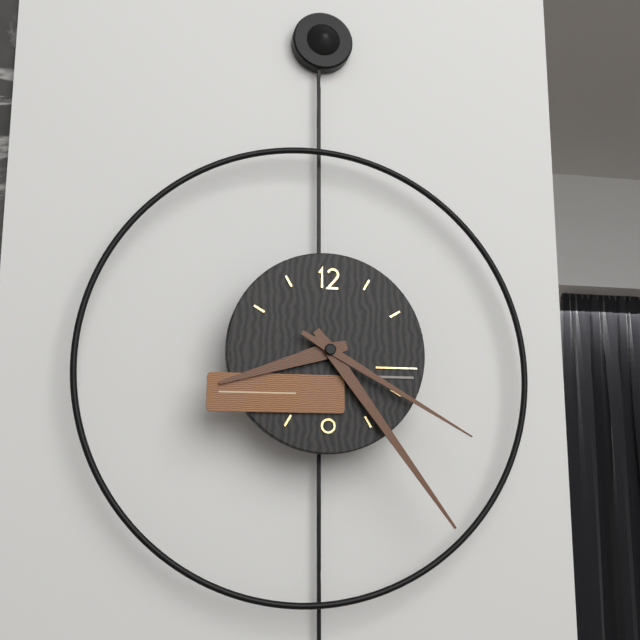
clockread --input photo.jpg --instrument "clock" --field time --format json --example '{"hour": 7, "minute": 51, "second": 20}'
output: {"hour": 8, "minute": 24, "second": 20}
